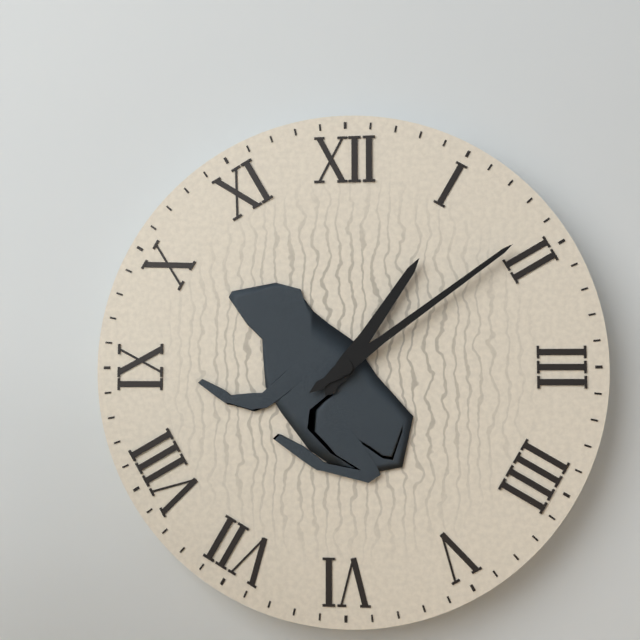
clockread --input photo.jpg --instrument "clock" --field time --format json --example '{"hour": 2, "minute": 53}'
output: {"hour": 1, "minute": 9}
